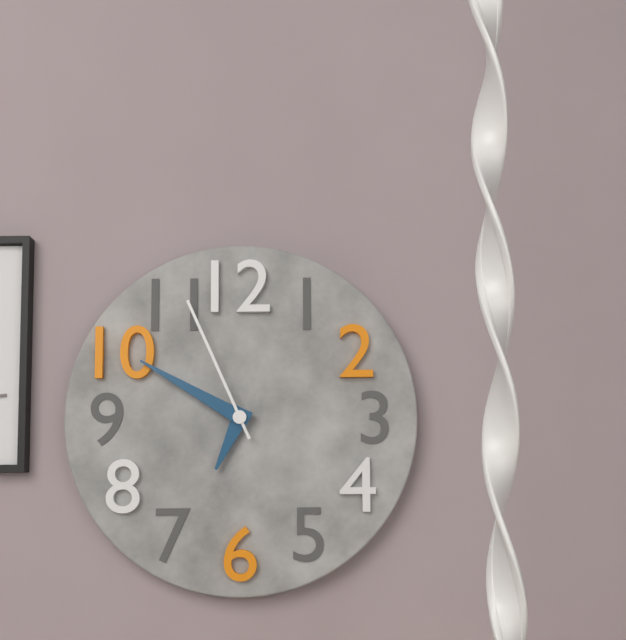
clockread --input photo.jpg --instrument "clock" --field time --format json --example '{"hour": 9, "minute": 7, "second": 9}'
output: {"hour": 6, "minute": 50, "second": 56}
